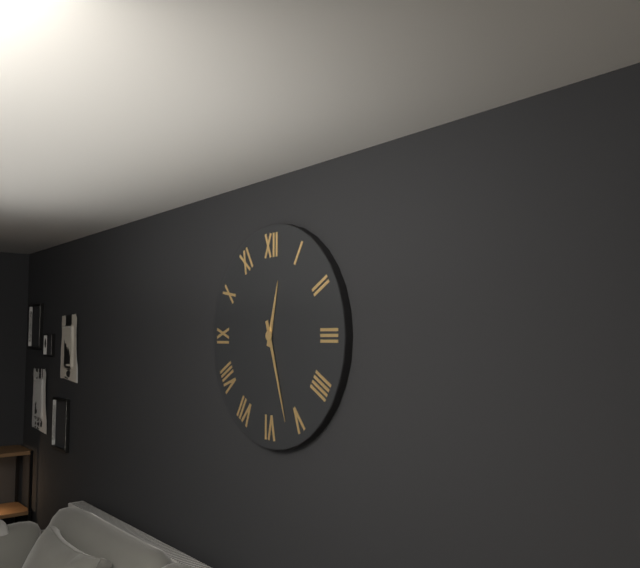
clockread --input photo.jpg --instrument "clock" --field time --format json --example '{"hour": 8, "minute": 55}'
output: {"hour": 12, "minute": 27}
